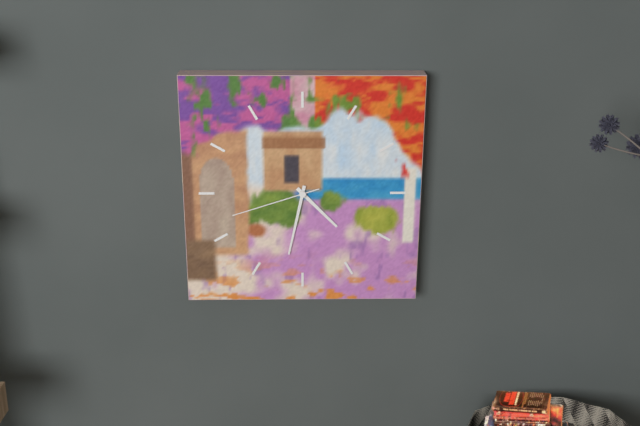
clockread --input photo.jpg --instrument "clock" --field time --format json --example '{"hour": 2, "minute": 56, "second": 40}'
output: {"hour": 4, "minute": 32, "second": 42}
